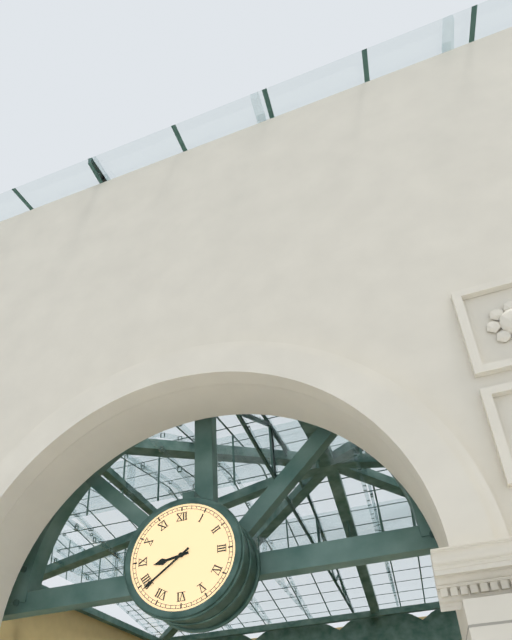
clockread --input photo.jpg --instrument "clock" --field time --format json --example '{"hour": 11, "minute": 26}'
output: {"hour": 8, "minute": 39}
